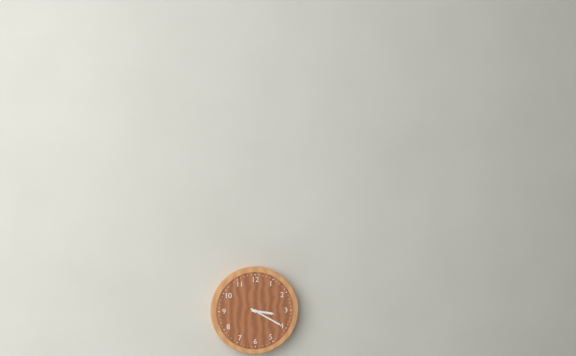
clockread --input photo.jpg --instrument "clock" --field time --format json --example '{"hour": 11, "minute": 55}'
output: {"hour": 3, "minute": 20}
